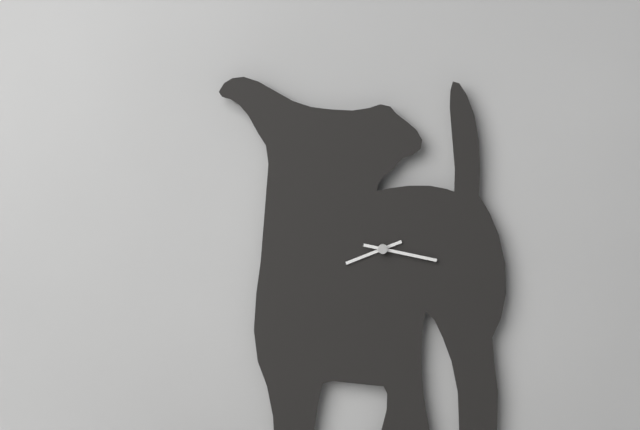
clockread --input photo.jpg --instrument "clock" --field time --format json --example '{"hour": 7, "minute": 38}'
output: {"hour": 8, "minute": 17}
